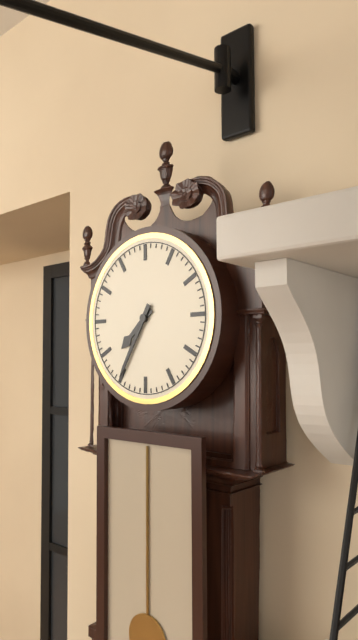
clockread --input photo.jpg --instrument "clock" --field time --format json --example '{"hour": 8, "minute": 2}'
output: {"hour": 7, "minute": 35}
